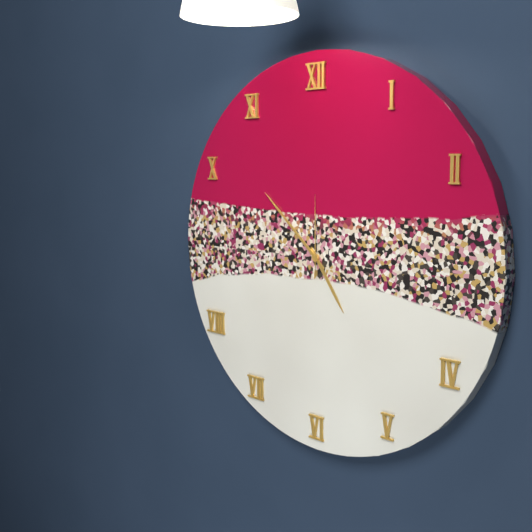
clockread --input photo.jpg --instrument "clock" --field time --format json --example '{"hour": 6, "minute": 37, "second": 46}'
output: {"hour": 4, "minute": 52, "second": 0}
